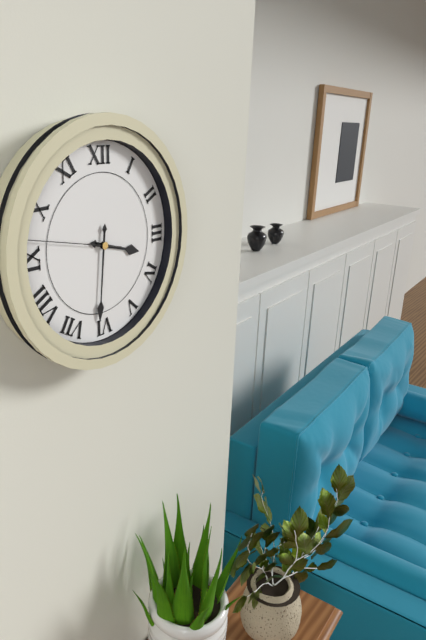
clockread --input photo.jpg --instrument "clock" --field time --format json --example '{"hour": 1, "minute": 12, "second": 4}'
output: {"hour": 3, "minute": 31, "second": 47}
